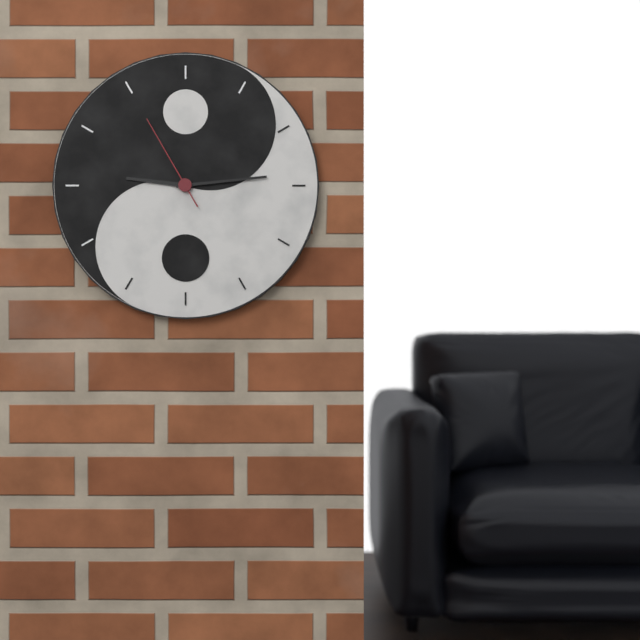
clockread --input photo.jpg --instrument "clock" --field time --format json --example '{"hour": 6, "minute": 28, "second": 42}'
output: {"hour": 9, "minute": 14, "second": 55}
